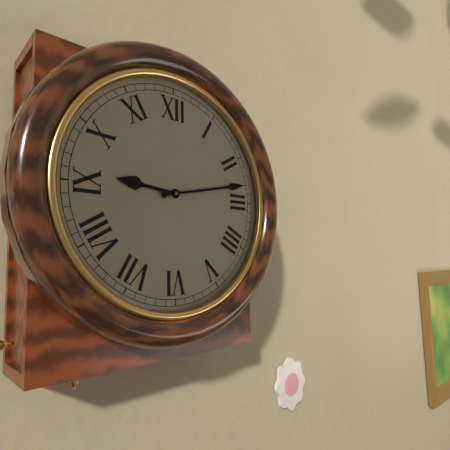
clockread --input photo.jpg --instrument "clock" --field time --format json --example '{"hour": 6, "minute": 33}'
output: {"hour": 9, "minute": 13}
